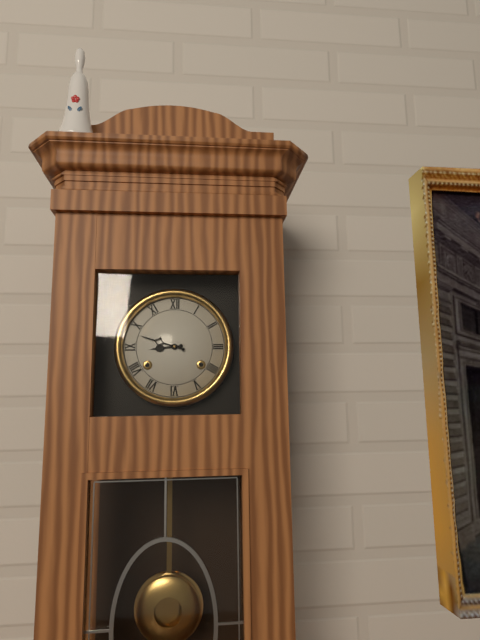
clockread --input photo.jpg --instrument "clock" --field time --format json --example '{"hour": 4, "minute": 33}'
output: {"hour": 8, "minute": 48}
